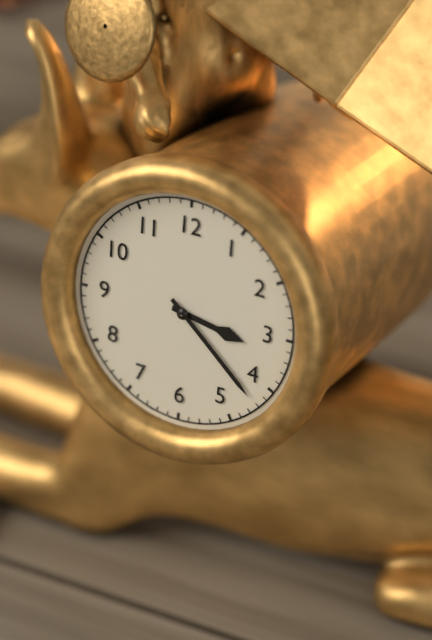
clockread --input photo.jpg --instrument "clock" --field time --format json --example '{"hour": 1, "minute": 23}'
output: {"hour": 3, "minute": 22}
